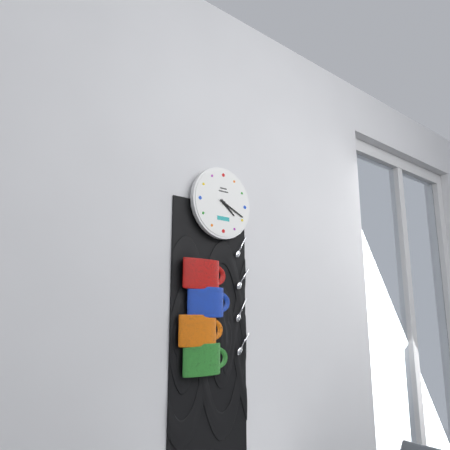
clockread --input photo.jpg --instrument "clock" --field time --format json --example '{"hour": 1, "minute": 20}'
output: {"hour": 4, "minute": 19}
